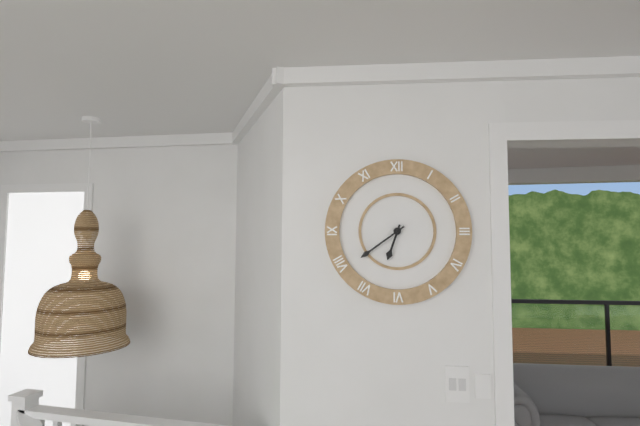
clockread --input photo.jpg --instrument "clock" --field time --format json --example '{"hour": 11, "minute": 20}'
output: {"hour": 6, "minute": 39}
